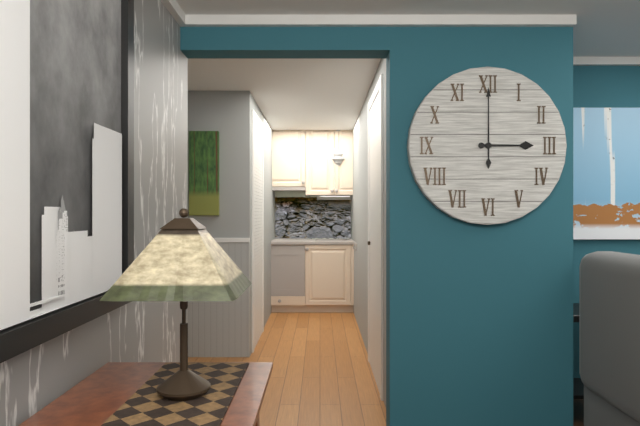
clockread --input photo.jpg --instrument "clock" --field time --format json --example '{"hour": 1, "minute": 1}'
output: {"hour": 3, "minute": 0}
